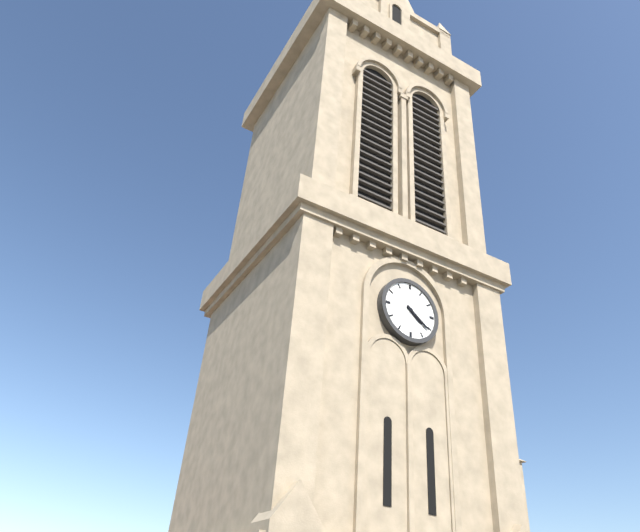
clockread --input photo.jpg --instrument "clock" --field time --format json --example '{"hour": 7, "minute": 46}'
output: {"hour": 4, "minute": 21}
